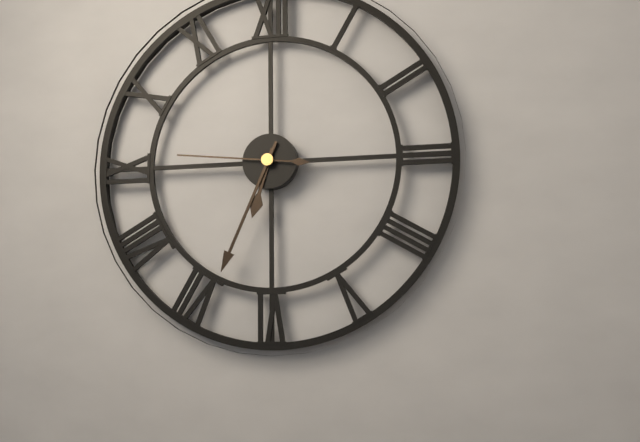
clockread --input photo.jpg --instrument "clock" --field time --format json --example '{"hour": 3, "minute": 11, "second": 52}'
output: {"hour": 6, "minute": 34, "second": 46}
